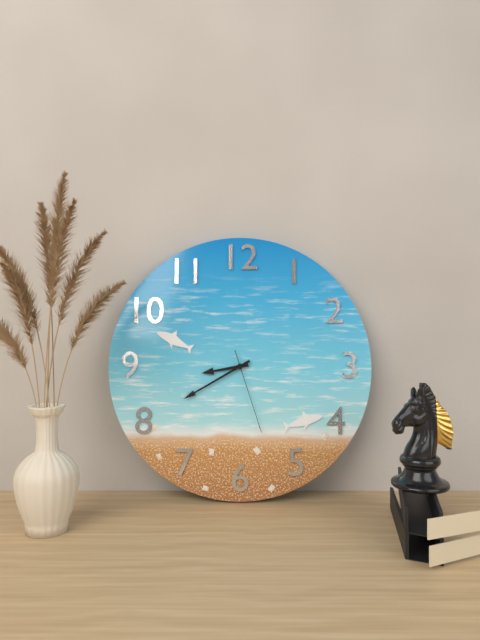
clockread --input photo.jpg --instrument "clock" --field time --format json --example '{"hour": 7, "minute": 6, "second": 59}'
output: {"hour": 8, "minute": 40, "second": 27}
